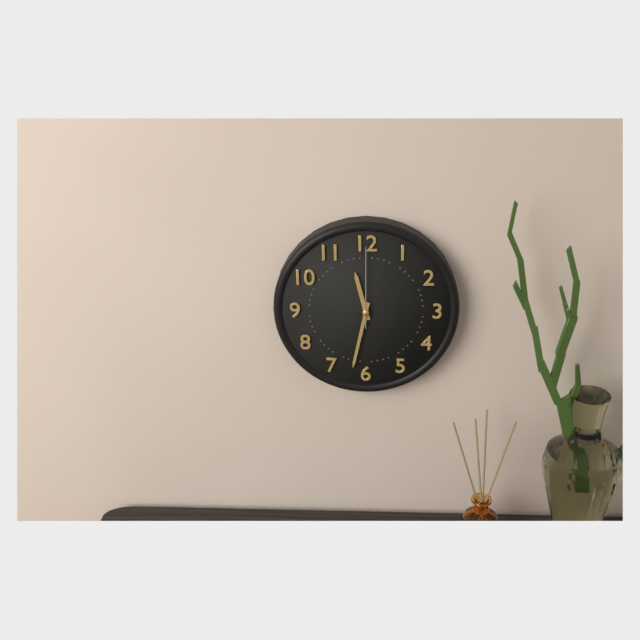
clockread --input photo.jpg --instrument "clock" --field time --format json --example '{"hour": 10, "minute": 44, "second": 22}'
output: {"hour": 11, "minute": 32, "second": 0}
